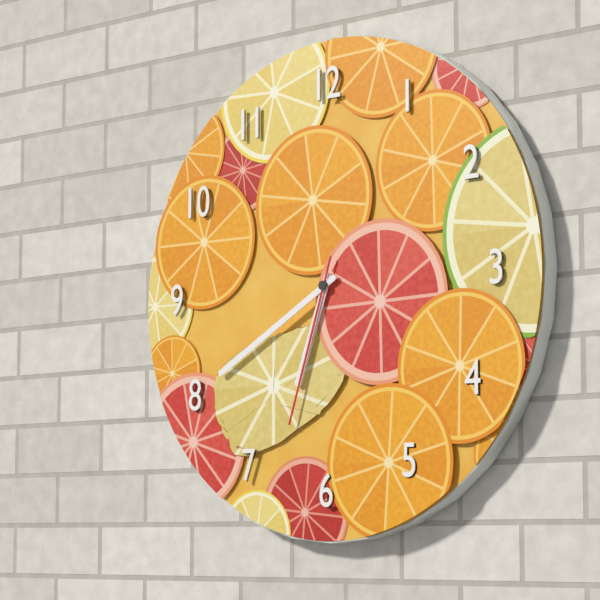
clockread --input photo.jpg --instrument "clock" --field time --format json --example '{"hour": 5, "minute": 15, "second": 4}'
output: {"hour": 6, "minute": 40, "second": 33}
